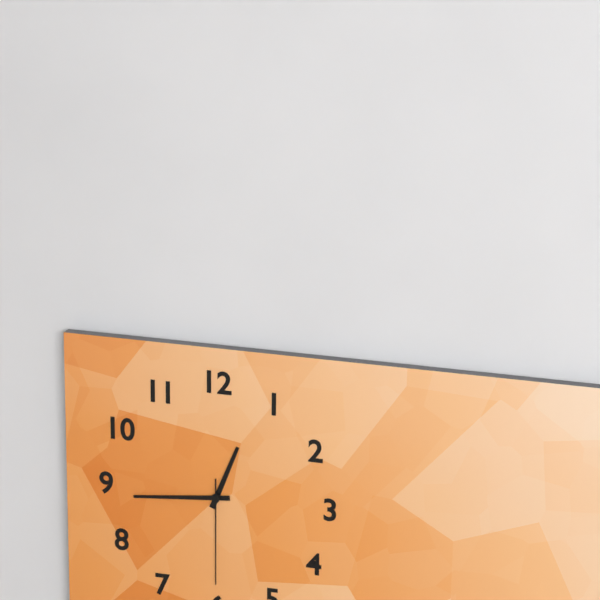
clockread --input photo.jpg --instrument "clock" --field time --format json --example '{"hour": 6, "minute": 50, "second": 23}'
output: {"hour": 12, "minute": 44, "second": 30}
